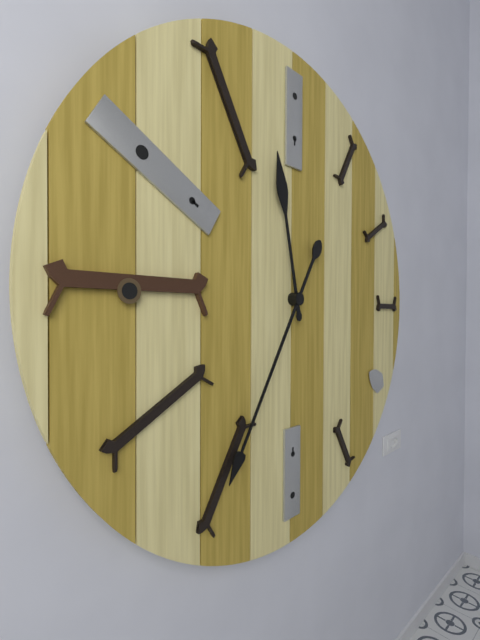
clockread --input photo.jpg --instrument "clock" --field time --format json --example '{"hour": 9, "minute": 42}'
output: {"hour": 11, "minute": 35}
